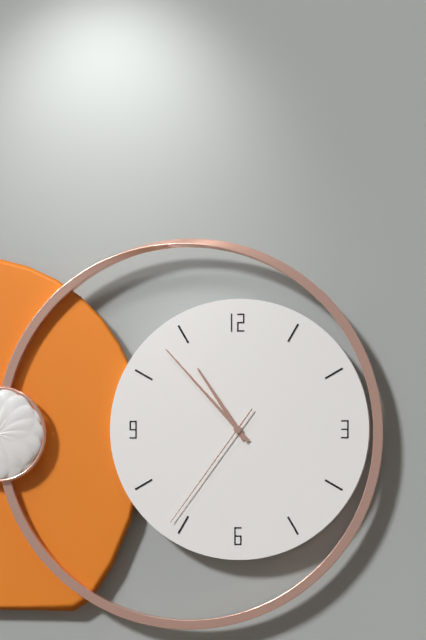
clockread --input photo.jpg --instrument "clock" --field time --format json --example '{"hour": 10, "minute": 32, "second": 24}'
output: {"hour": 10, "minute": 53, "second": 36}
